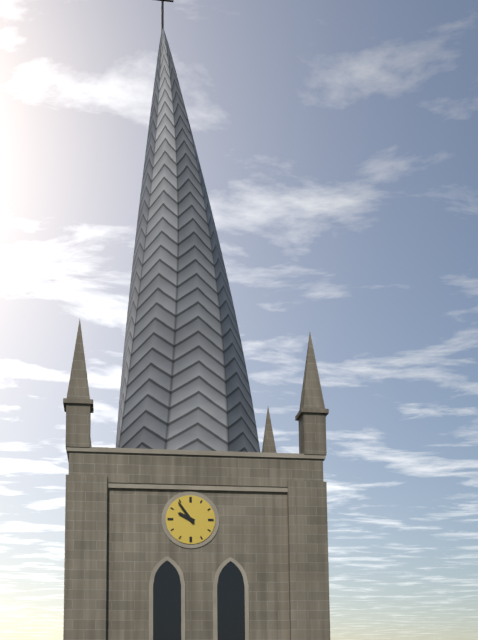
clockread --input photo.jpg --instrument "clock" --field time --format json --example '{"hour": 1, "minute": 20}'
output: {"hour": 9, "minute": 54}
